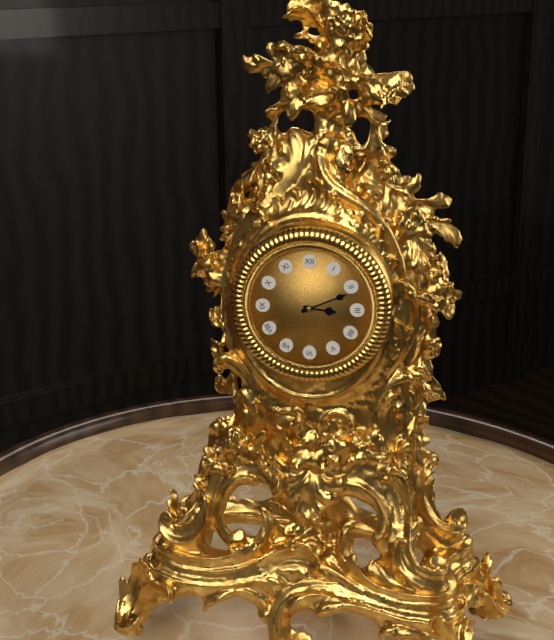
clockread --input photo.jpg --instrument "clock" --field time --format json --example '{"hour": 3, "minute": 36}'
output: {"hour": 3, "minute": 11}
